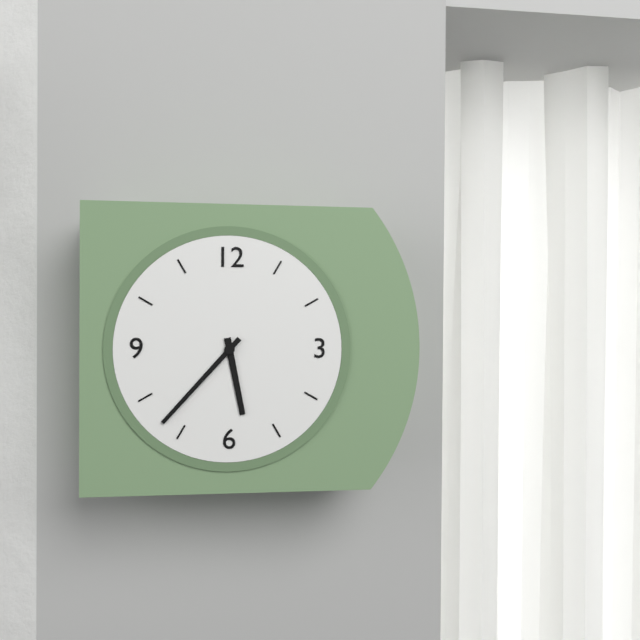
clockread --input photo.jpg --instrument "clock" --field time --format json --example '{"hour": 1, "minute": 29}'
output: {"hour": 5, "minute": 37}
